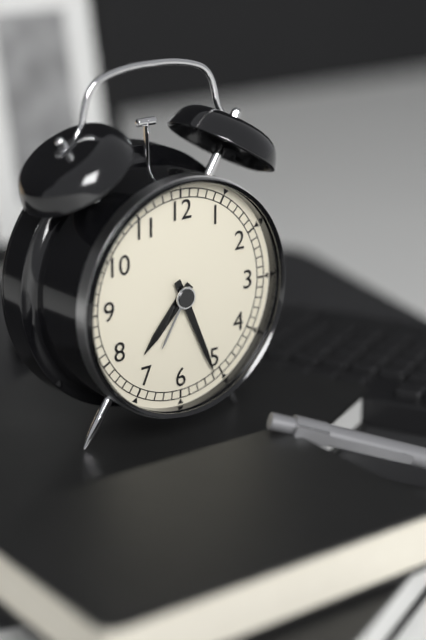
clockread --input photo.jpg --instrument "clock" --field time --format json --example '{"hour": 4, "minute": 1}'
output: {"hour": 7, "minute": 26}
